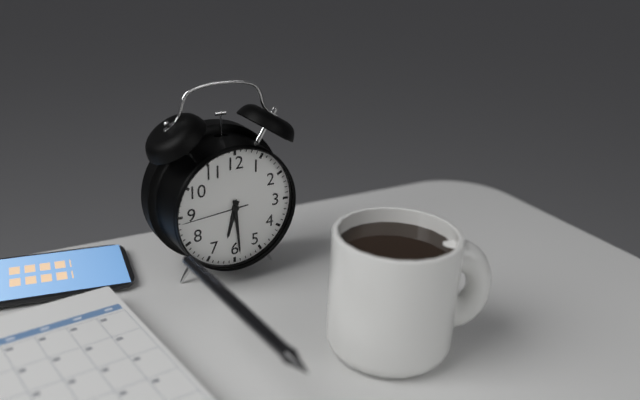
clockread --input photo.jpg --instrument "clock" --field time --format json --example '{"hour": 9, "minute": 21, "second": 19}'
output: {"hour": 6, "minute": 29, "second": 44}
